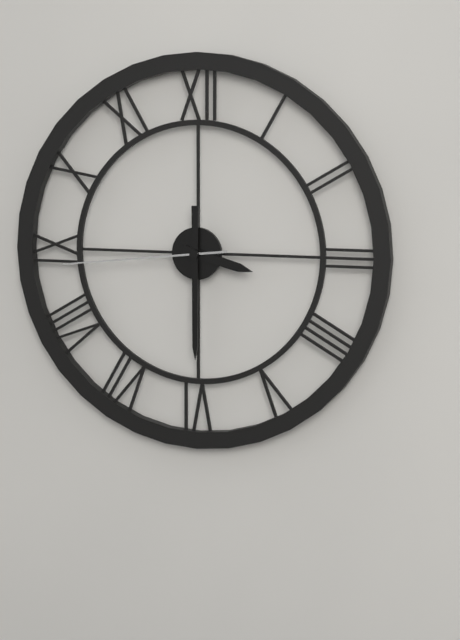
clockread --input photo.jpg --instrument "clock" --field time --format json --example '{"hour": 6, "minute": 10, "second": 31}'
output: {"hour": 3, "minute": 30, "second": 44}
